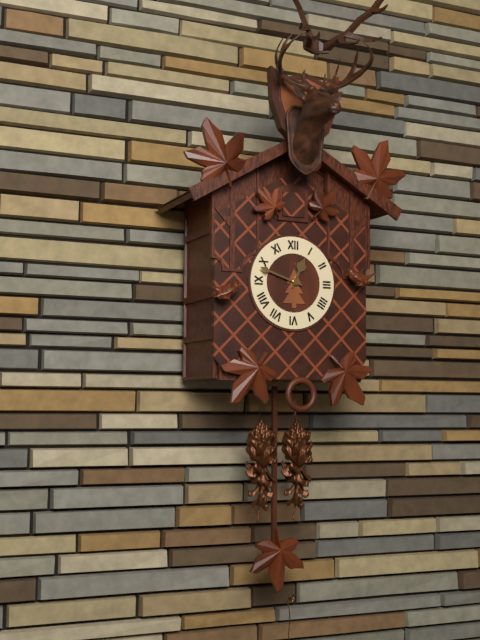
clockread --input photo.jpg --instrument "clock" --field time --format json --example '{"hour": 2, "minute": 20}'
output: {"hour": 12, "minute": 48}
